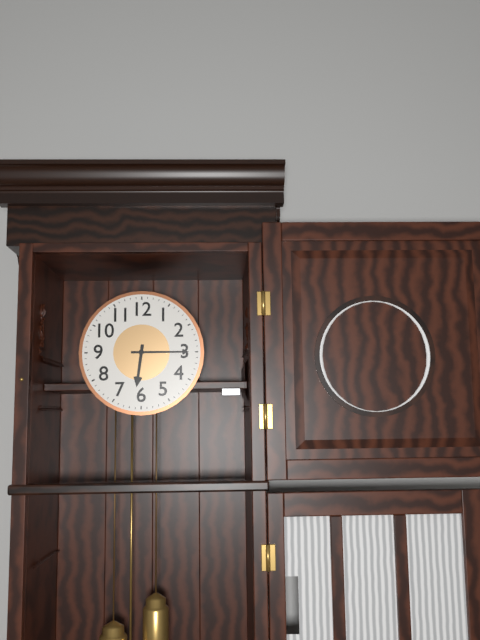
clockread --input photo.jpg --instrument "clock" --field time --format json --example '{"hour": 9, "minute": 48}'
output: {"hour": 6, "minute": 15}
